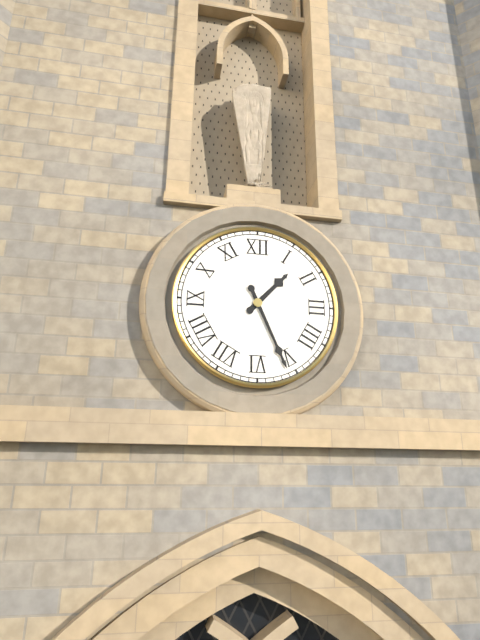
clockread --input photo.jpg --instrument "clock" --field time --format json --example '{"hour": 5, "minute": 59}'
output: {"hour": 1, "minute": 26}
